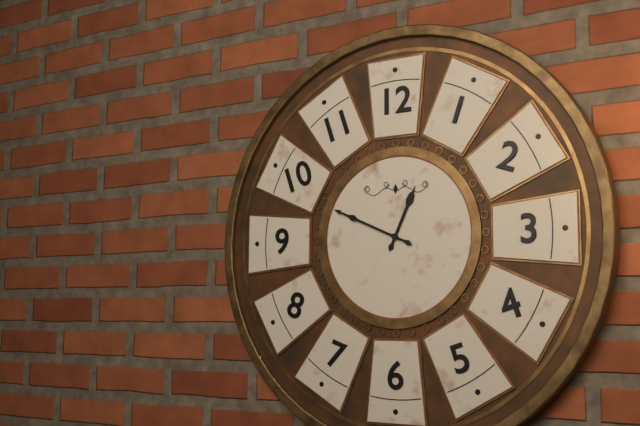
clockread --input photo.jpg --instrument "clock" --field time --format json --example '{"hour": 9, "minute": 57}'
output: {"hour": 12, "minute": 49}
